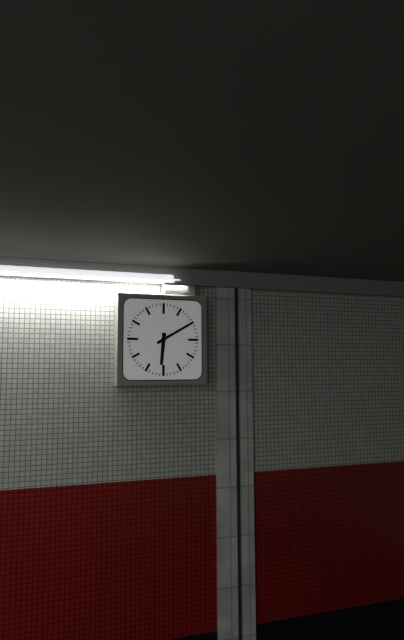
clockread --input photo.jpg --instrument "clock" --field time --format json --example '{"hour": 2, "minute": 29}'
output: {"hour": 6, "minute": 10}
